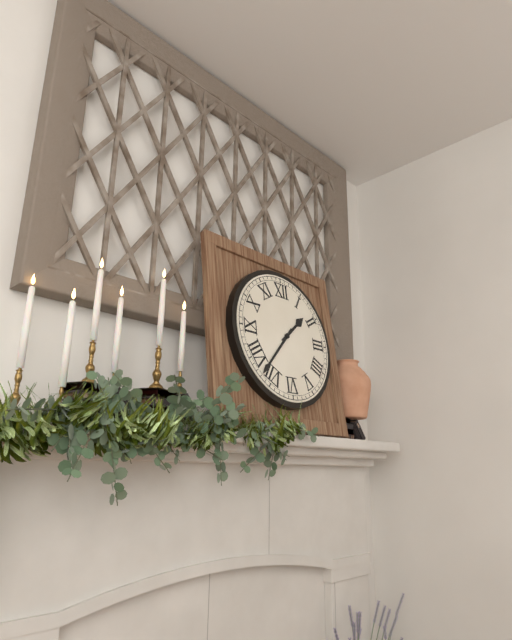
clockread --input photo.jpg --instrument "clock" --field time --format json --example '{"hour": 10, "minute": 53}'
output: {"hour": 1, "minute": 37}
